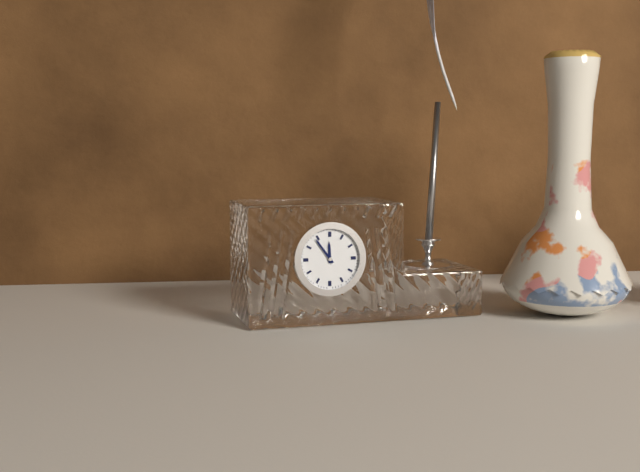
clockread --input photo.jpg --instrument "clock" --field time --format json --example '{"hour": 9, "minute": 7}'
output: {"hour": 11, "minute": 54}
